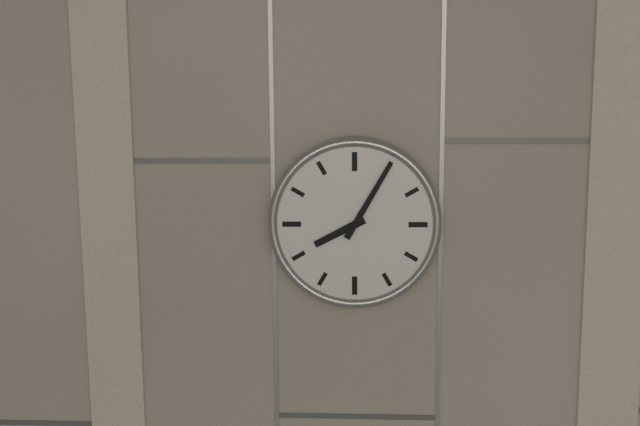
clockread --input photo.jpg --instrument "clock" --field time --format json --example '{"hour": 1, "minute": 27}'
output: {"hour": 8, "minute": 5}
